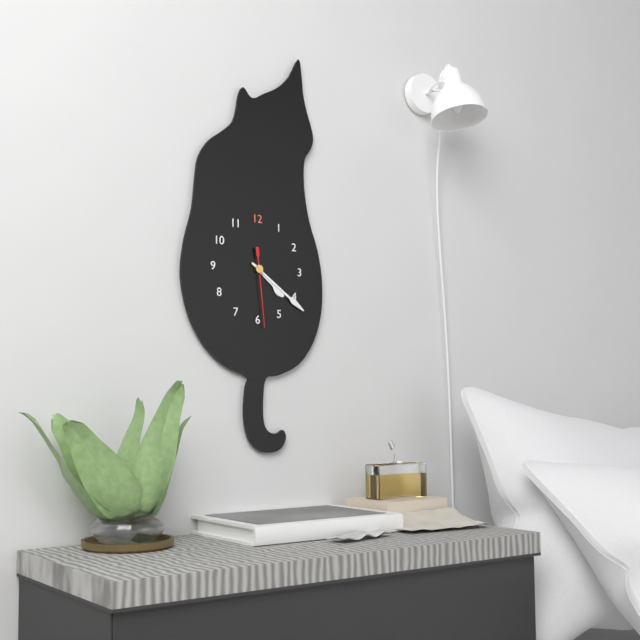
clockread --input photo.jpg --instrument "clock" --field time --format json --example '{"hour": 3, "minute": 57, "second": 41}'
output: {"hour": 4, "minute": 21, "second": 29}
